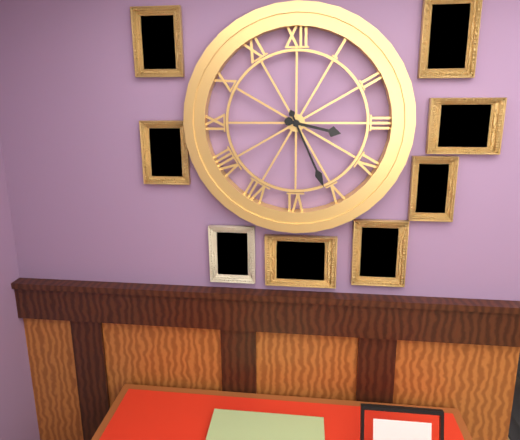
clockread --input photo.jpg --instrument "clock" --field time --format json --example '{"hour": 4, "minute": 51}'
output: {"hour": 3, "minute": 26}
